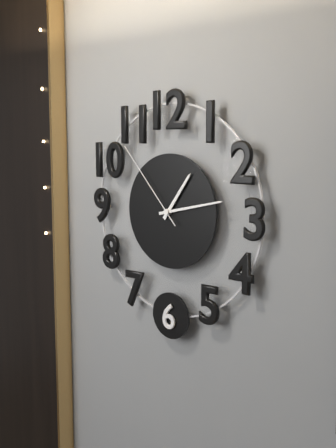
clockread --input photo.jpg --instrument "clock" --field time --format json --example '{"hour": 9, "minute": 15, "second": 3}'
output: {"hour": 1, "minute": 13, "second": 53}
